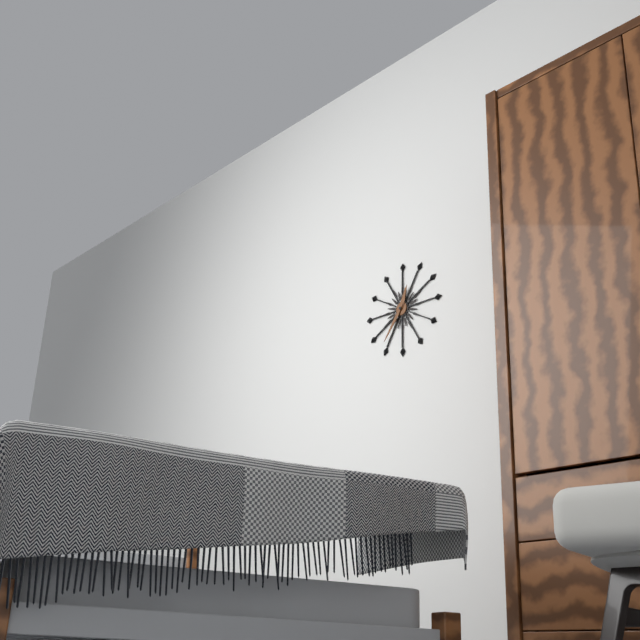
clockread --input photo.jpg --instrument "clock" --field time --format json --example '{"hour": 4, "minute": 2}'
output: {"hour": 12, "minute": 36}
